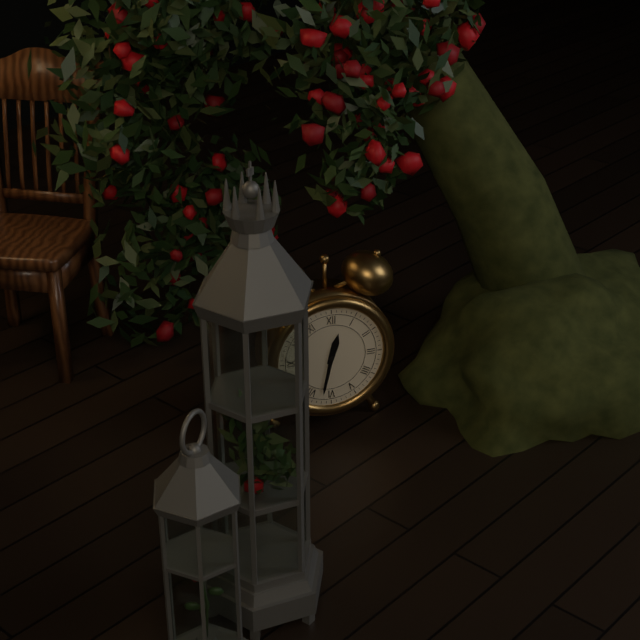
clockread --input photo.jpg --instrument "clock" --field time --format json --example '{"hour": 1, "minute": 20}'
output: {"hour": 12, "minute": 32}
